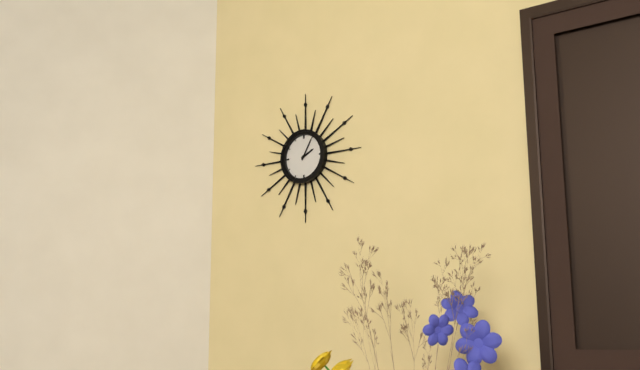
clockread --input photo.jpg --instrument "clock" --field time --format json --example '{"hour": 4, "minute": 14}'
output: {"hour": 2, "minute": 5}
